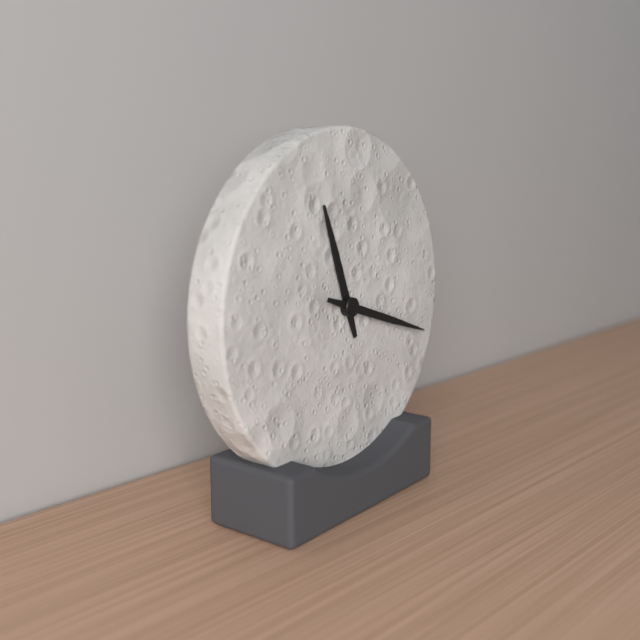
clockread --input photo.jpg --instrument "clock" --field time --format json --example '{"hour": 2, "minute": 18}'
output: {"hour": 11, "minute": 18}
